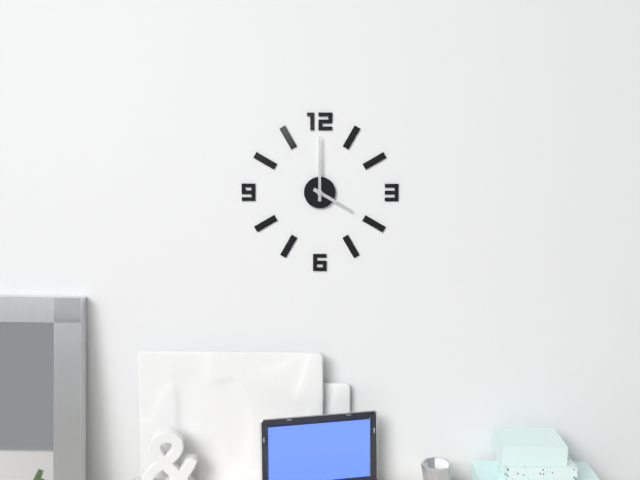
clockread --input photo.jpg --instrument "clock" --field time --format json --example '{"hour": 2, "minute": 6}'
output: {"hour": 4, "minute": 0}
